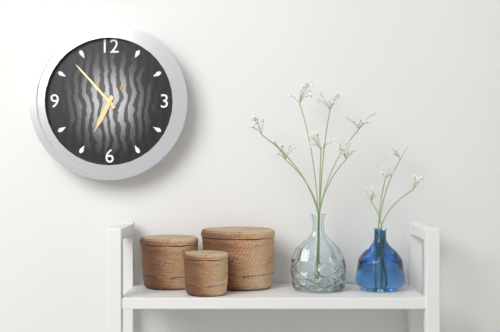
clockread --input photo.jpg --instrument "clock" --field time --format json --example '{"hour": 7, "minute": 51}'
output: {"hour": 6, "minute": 53}
